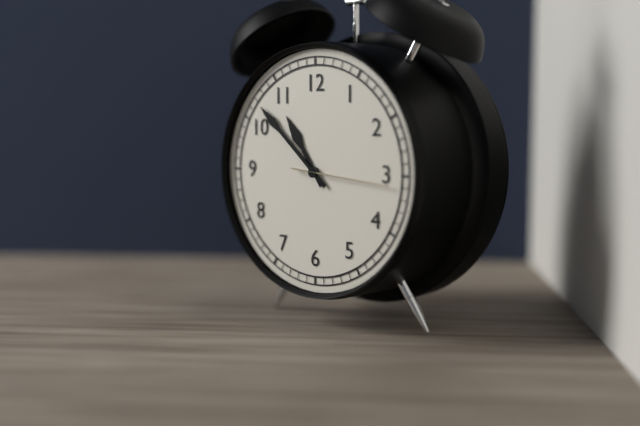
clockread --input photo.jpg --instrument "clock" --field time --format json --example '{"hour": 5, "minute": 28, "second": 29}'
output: {"hour": 10, "minute": 52, "second": 16}
